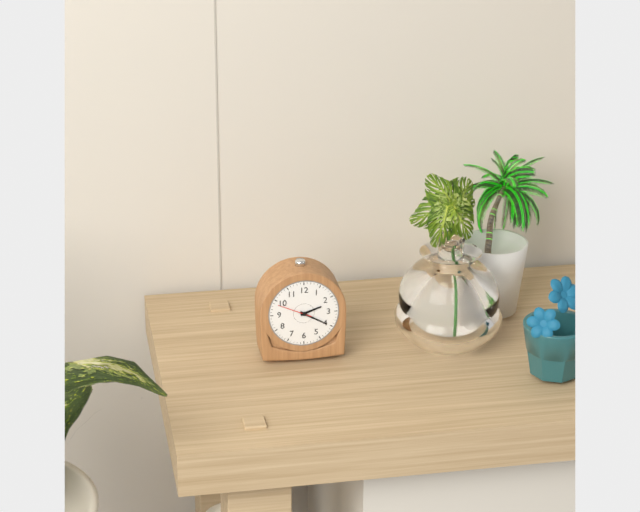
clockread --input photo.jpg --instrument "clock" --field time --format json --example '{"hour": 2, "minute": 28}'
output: {"hour": 2, "minute": 20}
